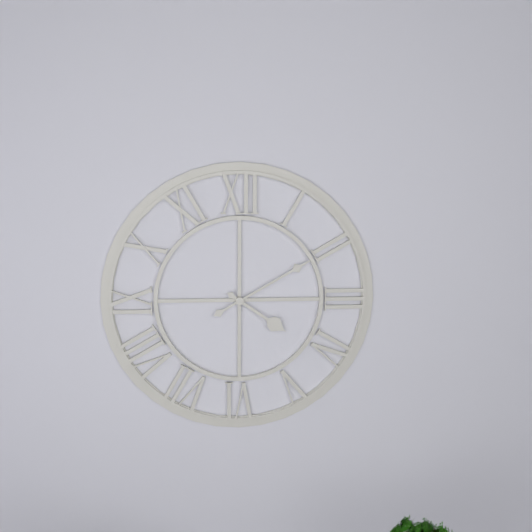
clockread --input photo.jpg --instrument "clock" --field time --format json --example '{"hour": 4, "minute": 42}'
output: {"hour": 4, "minute": 10}
